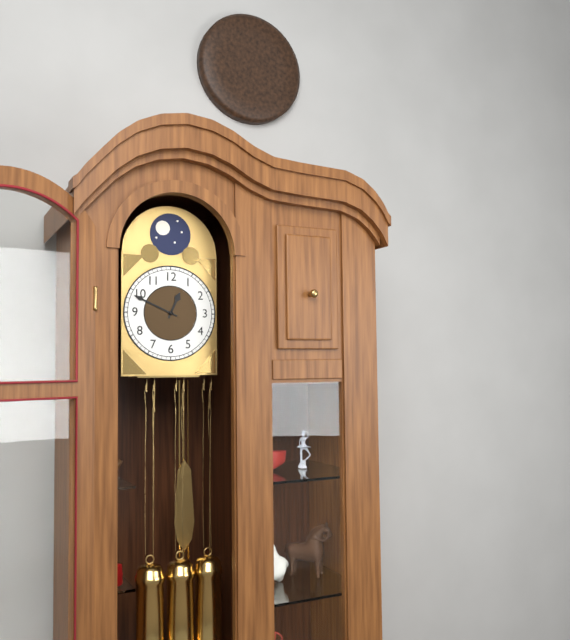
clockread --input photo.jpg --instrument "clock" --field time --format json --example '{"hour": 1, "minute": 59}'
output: {"hour": 12, "minute": 49}
